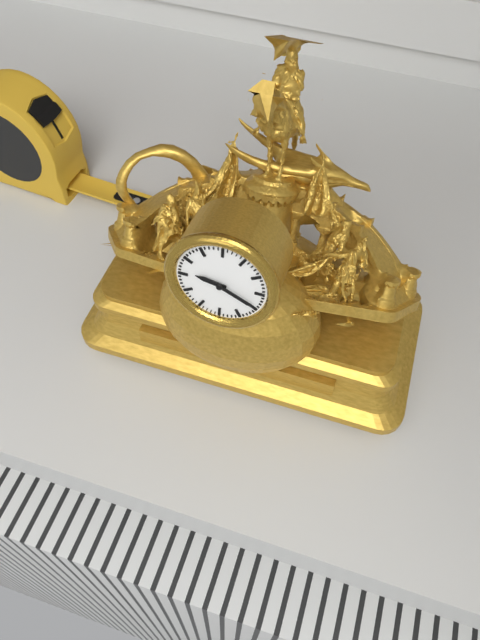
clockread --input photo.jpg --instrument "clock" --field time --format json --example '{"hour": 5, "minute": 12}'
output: {"hour": 9, "minute": 19}
